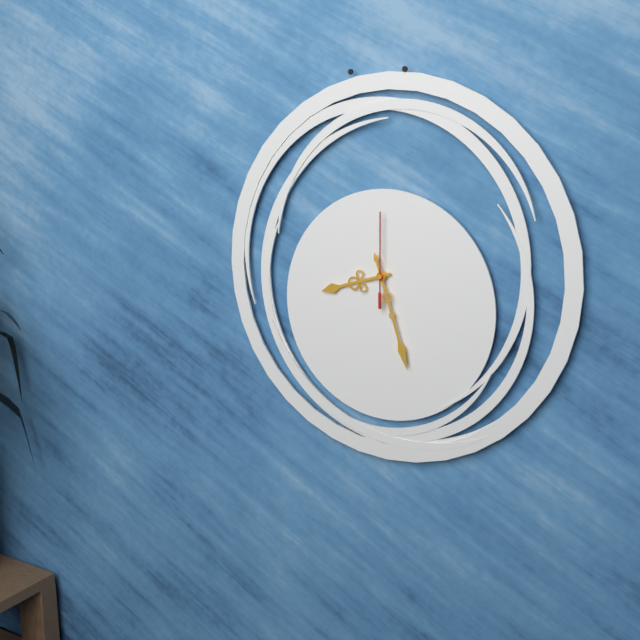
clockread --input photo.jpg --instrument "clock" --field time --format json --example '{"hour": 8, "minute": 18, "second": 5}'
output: {"hour": 8, "minute": 27, "second": 0}
